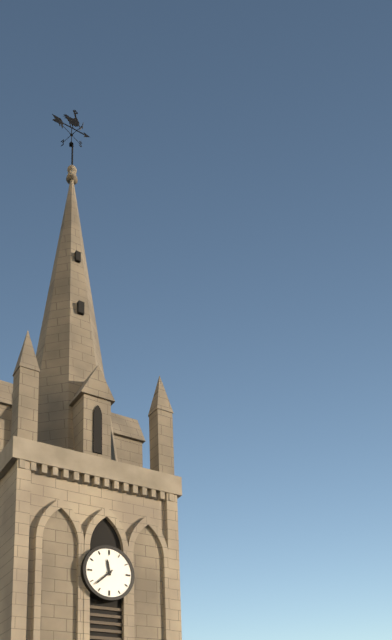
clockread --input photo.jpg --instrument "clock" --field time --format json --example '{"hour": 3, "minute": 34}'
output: {"hour": 11, "minute": 38}
